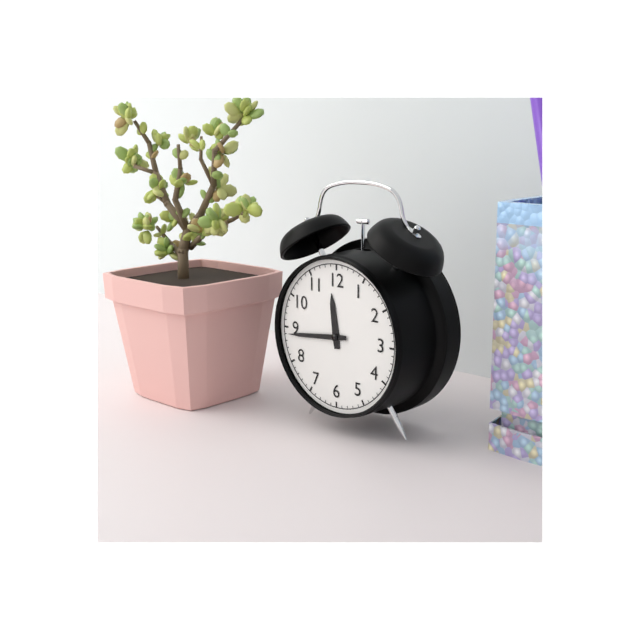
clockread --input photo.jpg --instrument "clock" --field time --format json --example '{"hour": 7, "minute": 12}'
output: {"hour": 11, "minute": 44}
